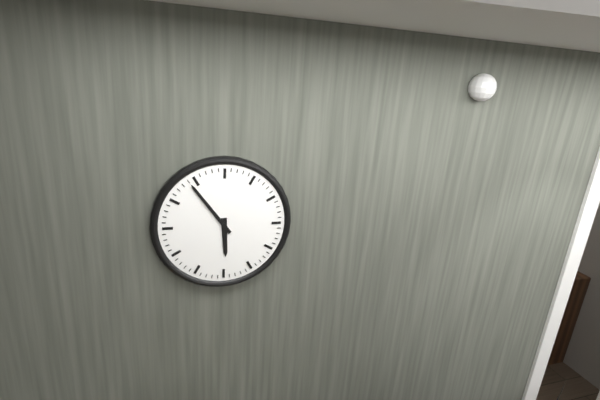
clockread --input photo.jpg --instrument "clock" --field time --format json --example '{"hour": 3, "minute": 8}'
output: {"hour": 5, "minute": 54}
